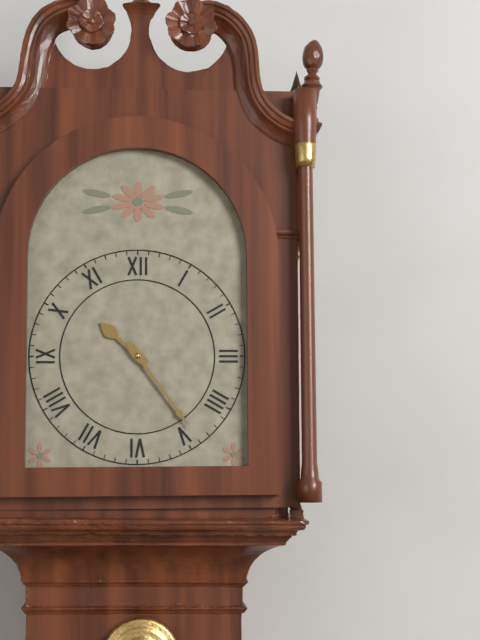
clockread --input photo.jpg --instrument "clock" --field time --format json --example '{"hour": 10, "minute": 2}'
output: {"hour": 10, "minute": 24}
